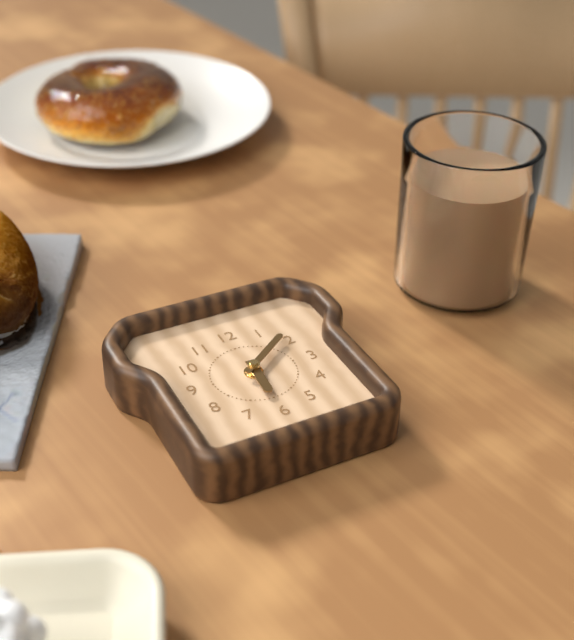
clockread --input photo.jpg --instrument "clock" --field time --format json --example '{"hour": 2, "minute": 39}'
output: {"hour": 6, "minute": 9}
